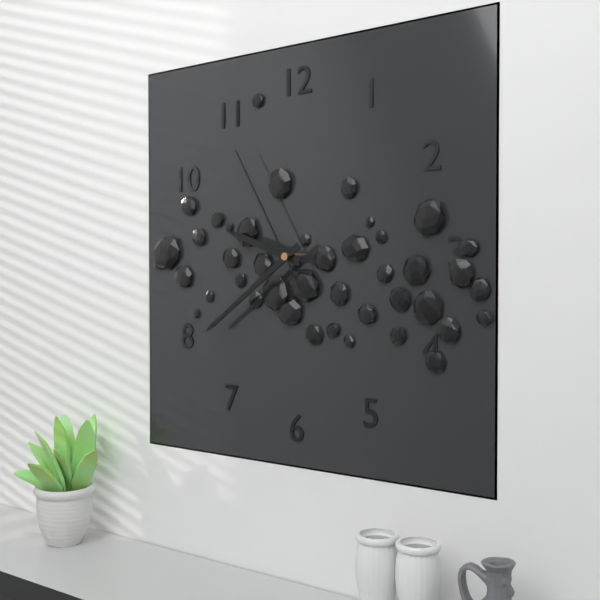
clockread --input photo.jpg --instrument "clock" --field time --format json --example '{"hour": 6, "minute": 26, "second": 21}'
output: {"hour": 9, "minute": 39, "second": 55}
